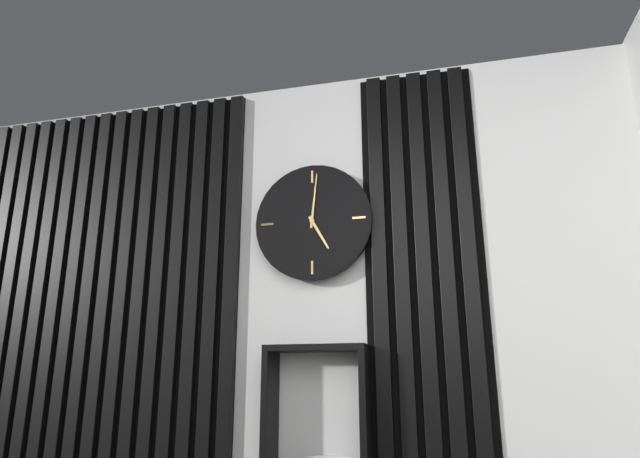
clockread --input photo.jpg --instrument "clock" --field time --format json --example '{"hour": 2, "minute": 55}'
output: {"hour": 5, "minute": 1}
